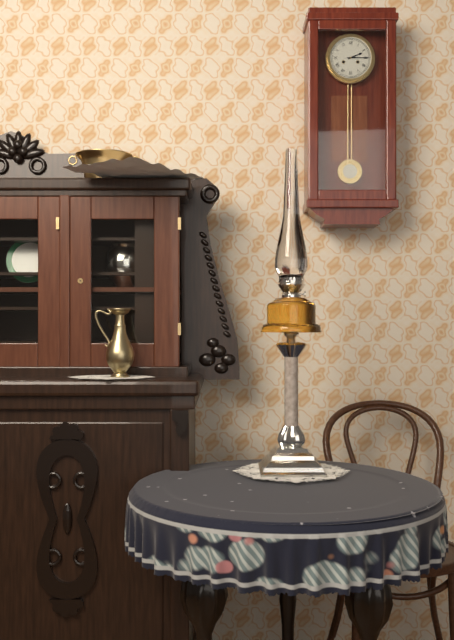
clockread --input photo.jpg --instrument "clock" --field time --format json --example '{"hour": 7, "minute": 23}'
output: {"hour": 2, "minute": 15}
